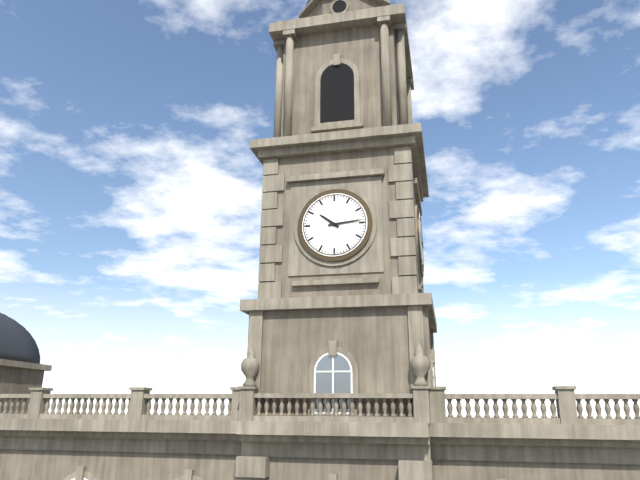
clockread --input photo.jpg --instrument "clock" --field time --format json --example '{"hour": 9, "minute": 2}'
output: {"hour": 10, "minute": 14}
